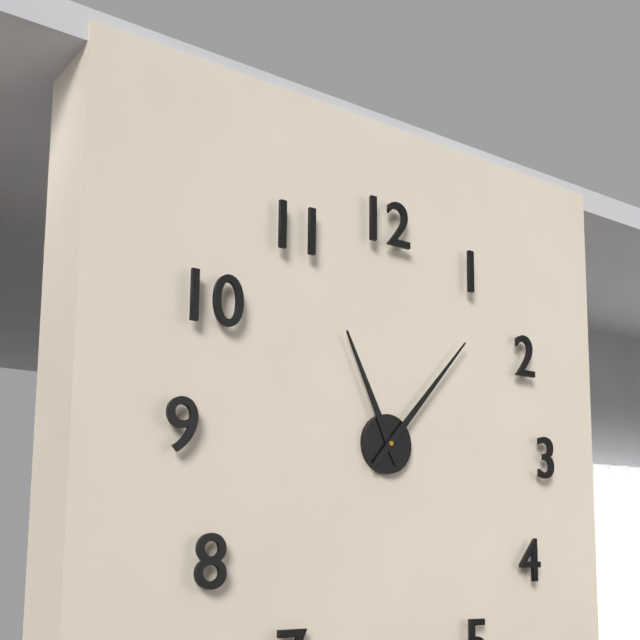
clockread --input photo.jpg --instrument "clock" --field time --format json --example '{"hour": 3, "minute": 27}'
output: {"hour": 11, "minute": 7}
